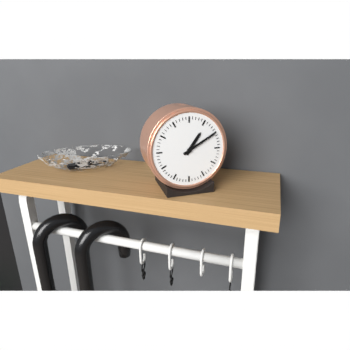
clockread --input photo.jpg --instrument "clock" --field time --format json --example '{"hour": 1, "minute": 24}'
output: {"hour": 1, "minute": 10}
